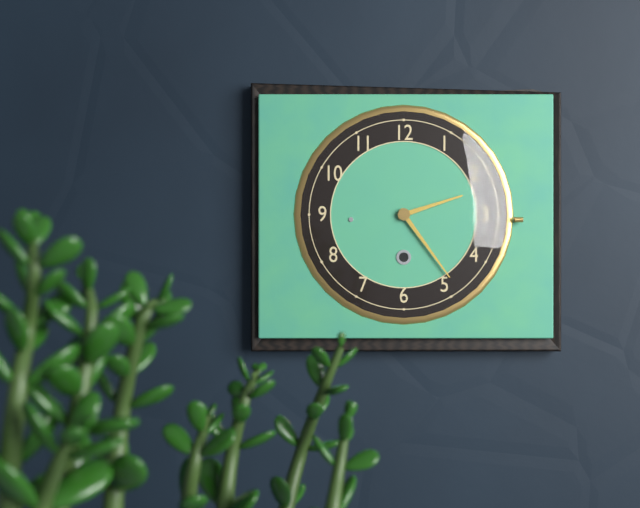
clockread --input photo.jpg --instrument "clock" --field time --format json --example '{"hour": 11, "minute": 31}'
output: {"hour": 2, "minute": 24}
